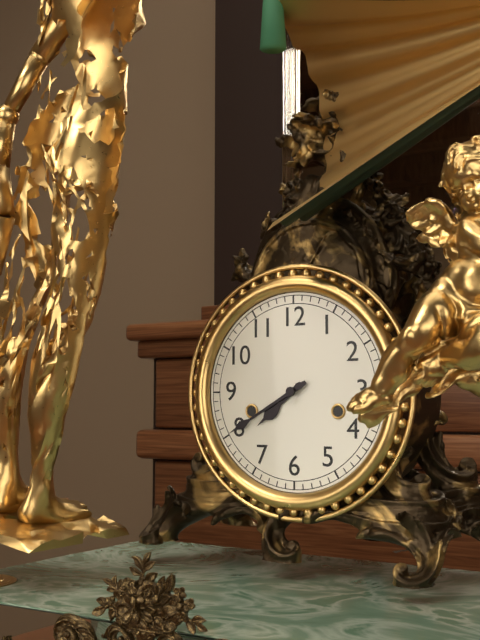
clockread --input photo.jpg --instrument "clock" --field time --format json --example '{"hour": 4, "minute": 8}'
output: {"hour": 7, "minute": 40}
